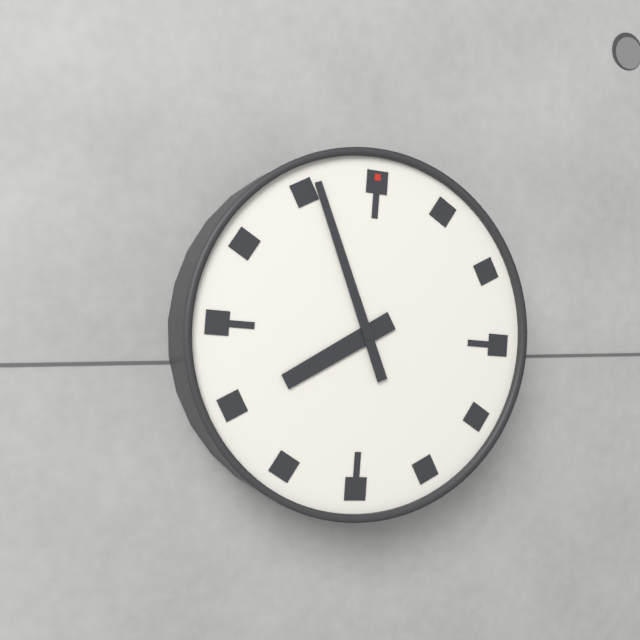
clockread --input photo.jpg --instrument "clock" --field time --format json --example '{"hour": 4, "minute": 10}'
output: {"hour": 7, "minute": 56}
